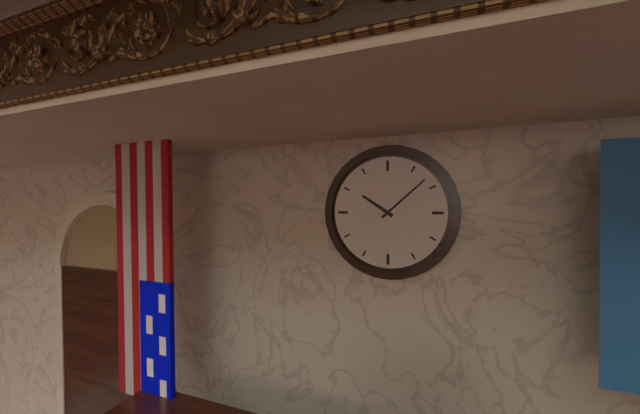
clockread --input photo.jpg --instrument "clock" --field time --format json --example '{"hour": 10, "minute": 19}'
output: {"hour": 10, "minute": 8}
